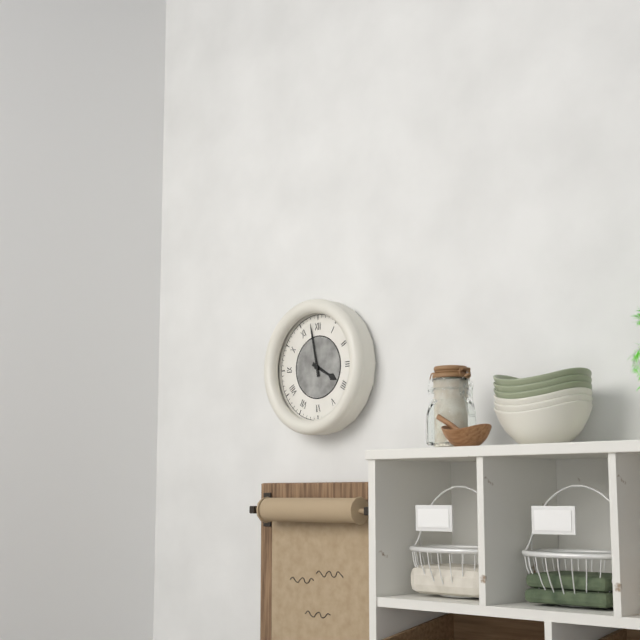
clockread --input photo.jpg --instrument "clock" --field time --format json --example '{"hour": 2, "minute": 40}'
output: {"hour": 3, "minute": 58}
